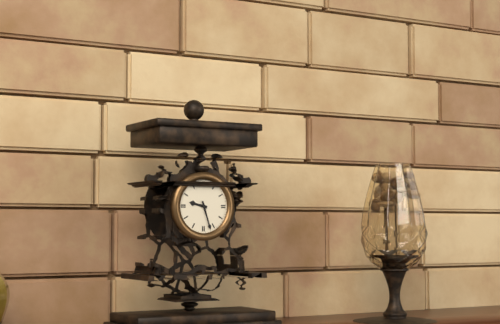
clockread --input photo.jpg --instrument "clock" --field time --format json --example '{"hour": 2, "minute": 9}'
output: {"hour": 9, "minute": 27}
